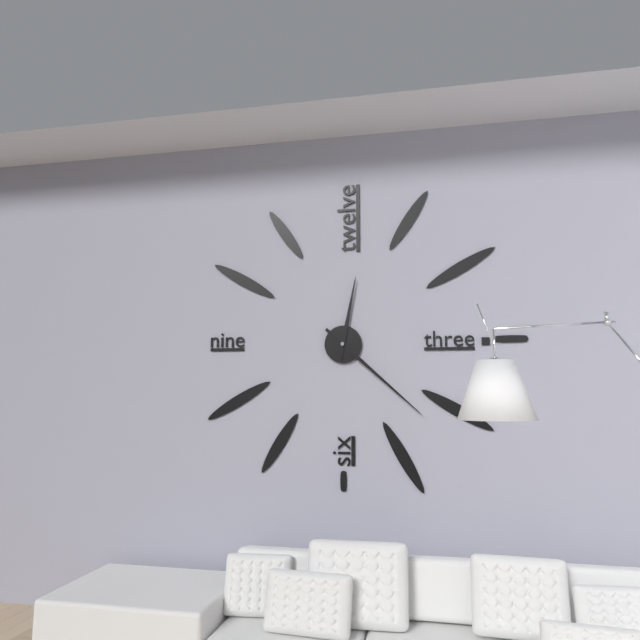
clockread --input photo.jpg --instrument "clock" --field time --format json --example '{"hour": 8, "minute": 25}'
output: {"hour": 12, "minute": 22}
